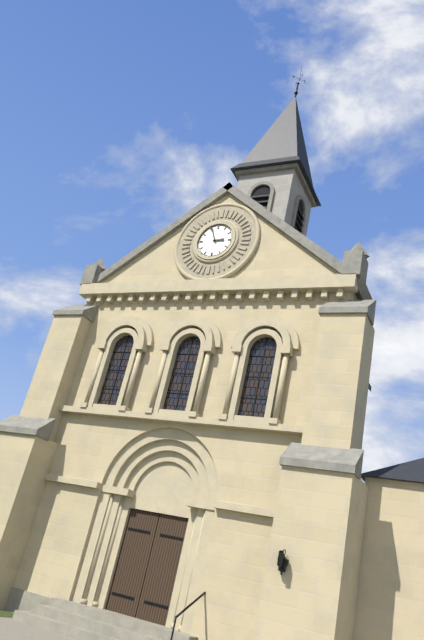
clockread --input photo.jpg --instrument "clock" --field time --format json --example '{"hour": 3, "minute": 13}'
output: {"hour": 2, "minute": 56}
